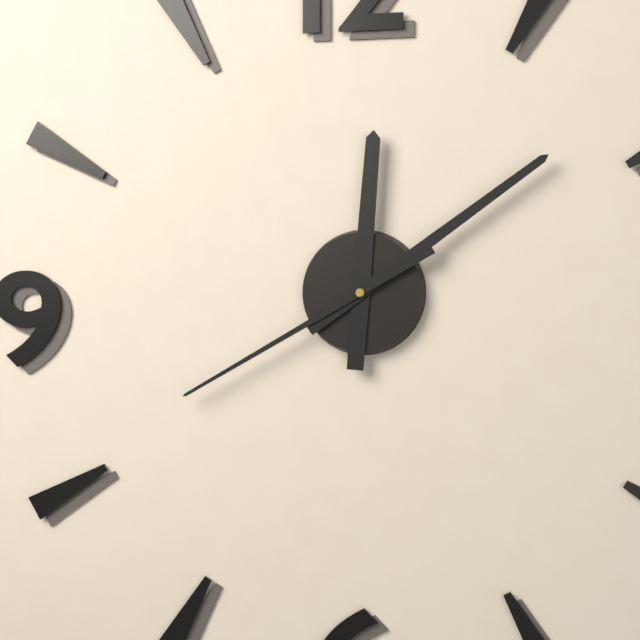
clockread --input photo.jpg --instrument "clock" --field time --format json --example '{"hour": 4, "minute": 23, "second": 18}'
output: {"hour": 12, "minute": 9, "second": 40}
